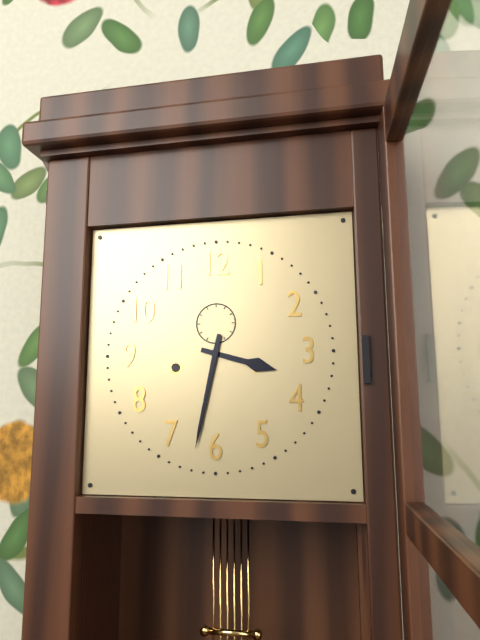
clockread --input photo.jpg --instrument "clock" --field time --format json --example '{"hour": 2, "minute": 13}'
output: {"hour": 3, "minute": 32}
